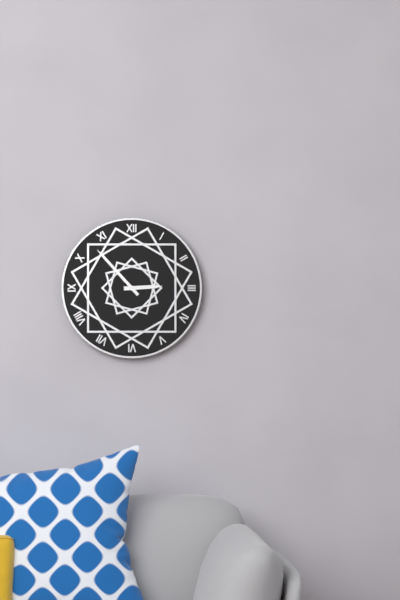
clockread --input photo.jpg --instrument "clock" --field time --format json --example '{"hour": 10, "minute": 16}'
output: {"hour": 2, "minute": 53}
